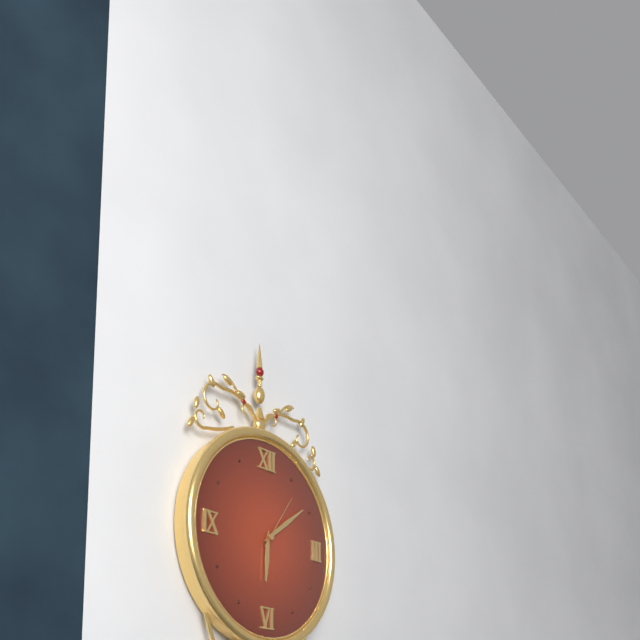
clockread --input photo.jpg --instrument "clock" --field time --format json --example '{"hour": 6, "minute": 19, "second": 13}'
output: {"hour": 6, "minute": 9, "second": 6}
